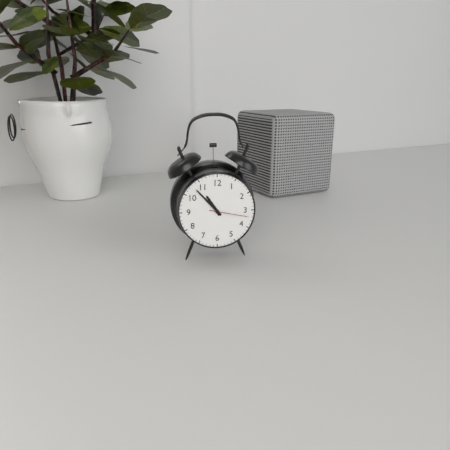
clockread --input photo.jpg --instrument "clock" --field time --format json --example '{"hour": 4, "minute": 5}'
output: {"hour": 10, "minute": 53}
